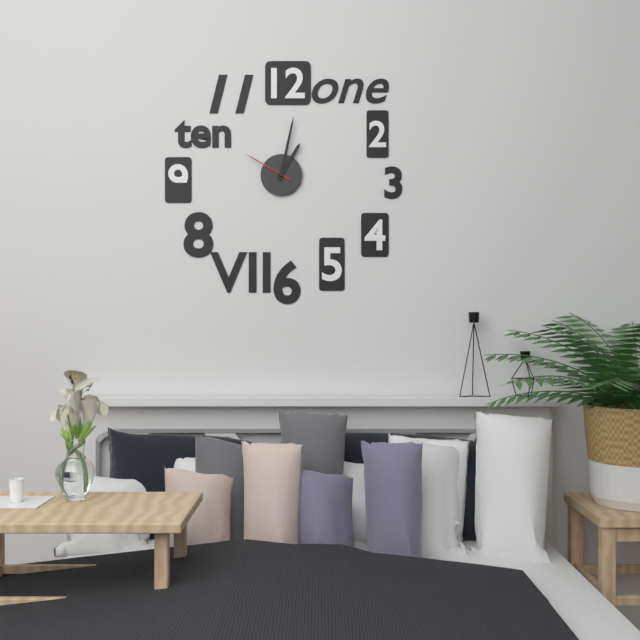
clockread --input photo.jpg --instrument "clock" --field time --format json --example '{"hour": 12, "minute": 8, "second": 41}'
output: {"hour": 1, "minute": 2, "second": 50}
